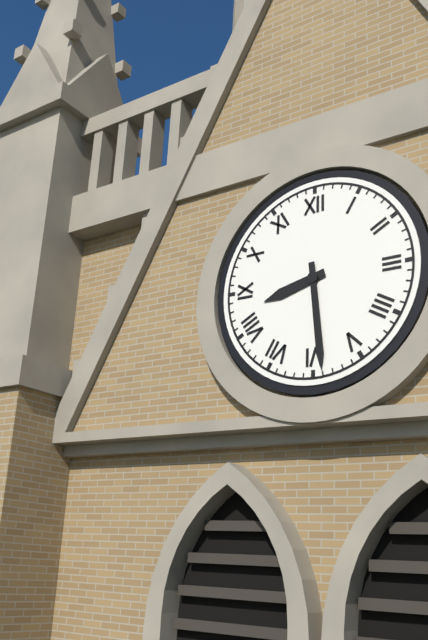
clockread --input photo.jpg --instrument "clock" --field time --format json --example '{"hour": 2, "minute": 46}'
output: {"hour": 8, "minute": 29}
